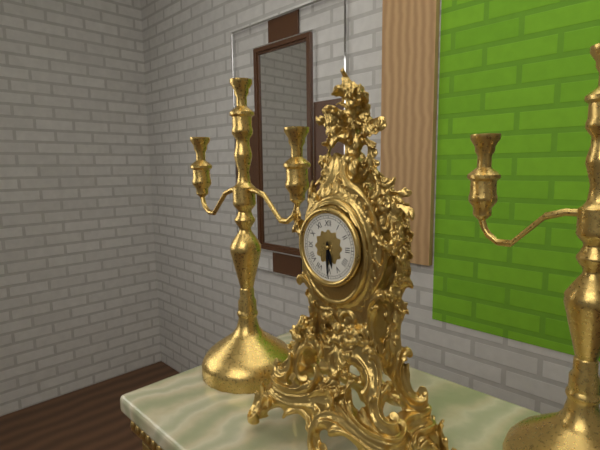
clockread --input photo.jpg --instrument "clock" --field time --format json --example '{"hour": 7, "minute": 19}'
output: {"hour": 5, "minute": 30}
